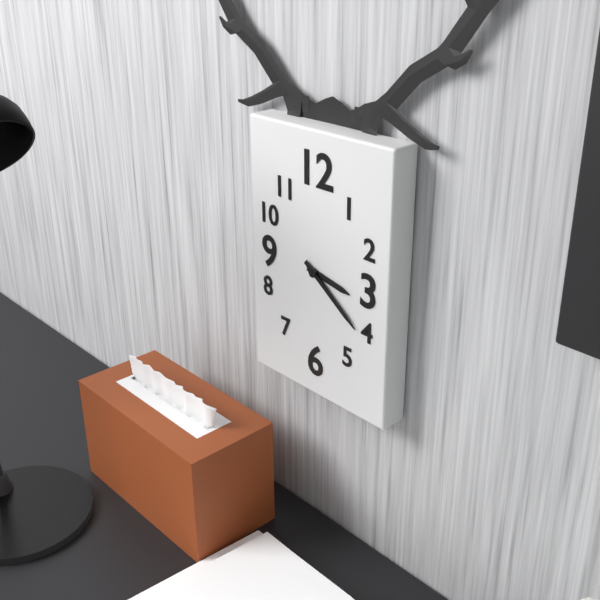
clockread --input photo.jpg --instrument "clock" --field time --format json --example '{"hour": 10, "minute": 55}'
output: {"hour": 3, "minute": 21}
